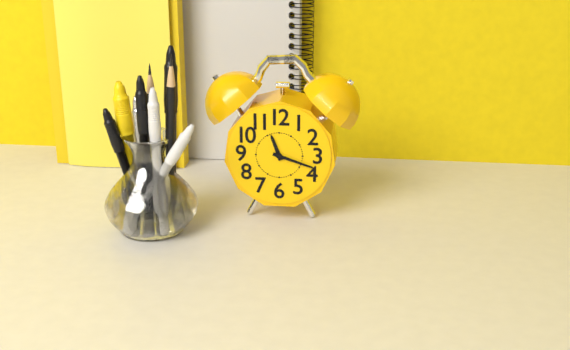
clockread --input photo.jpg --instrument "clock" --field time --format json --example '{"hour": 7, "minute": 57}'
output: {"hour": 11, "minute": 18}
